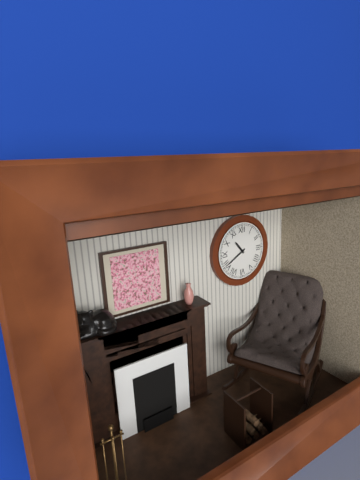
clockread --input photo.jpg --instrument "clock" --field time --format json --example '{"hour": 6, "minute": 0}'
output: {"hour": 10, "minute": 40}
